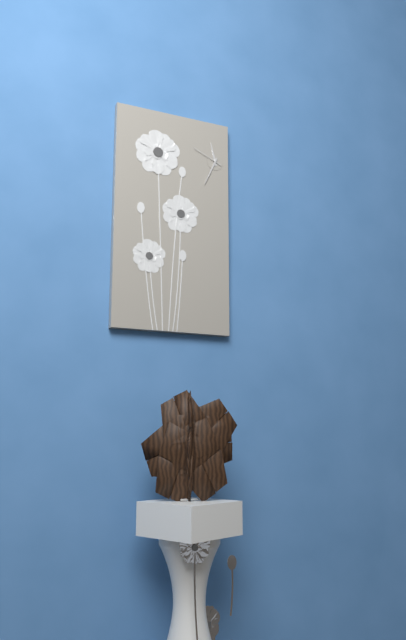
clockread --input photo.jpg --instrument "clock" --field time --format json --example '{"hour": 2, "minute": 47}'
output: {"hour": 11, "minute": 34}
